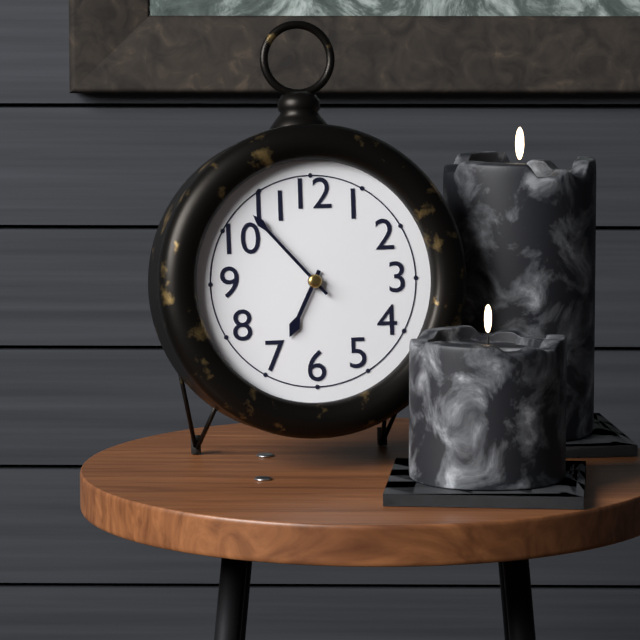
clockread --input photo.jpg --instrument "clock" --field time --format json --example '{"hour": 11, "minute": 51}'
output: {"hour": 6, "minute": 53}
